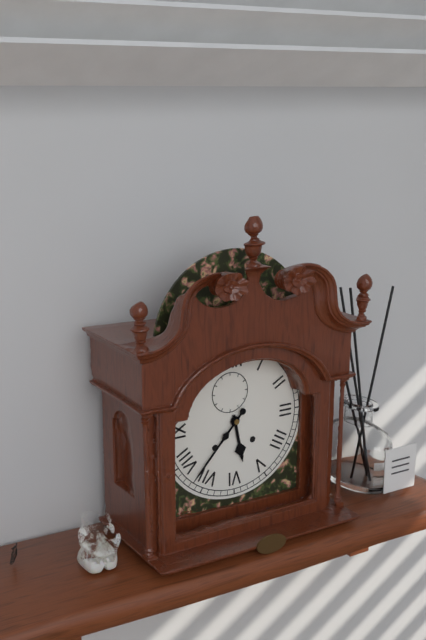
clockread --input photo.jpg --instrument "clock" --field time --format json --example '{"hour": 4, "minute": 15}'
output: {"hour": 5, "minute": 37}
